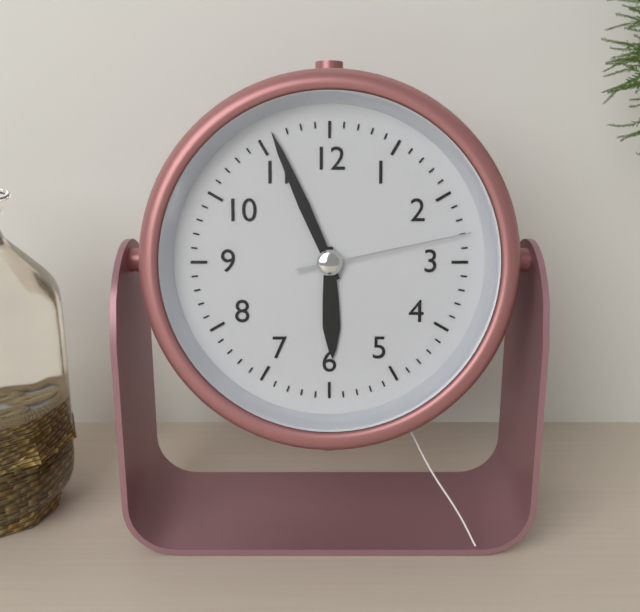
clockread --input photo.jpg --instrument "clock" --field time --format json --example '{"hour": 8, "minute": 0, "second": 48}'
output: {"hour": 5, "minute": 56, "second": 13}
